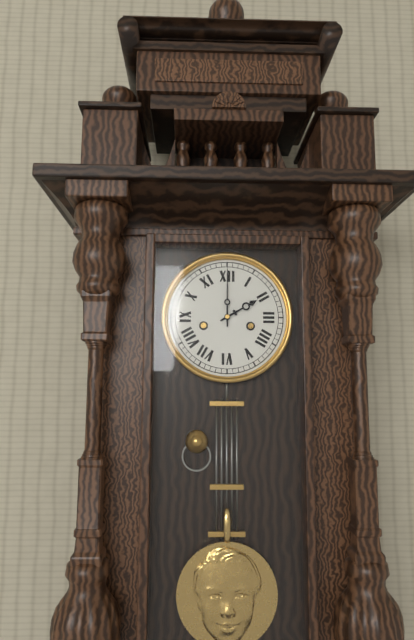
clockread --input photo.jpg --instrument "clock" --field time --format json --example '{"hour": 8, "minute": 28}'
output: {"hour": 2, "minute": 0}
